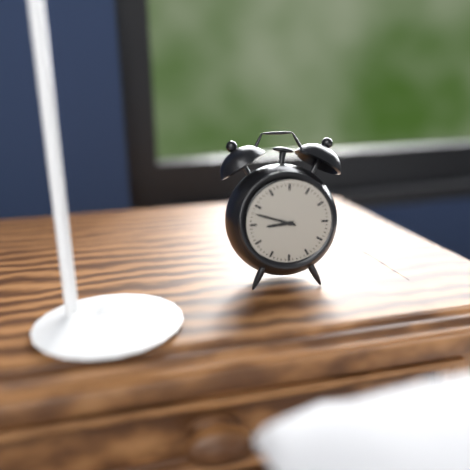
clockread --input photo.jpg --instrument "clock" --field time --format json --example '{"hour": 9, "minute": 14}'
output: {"hour": 8, "minute": 48}
